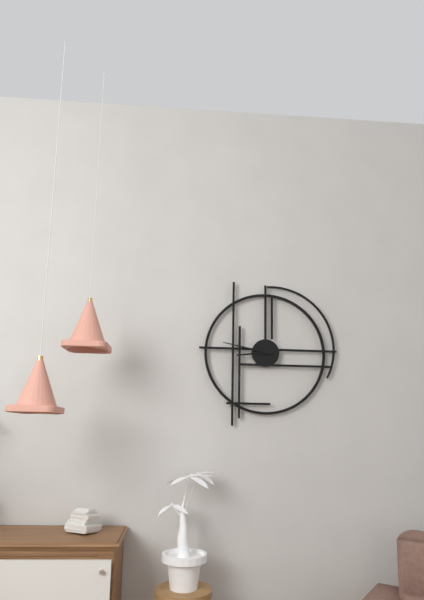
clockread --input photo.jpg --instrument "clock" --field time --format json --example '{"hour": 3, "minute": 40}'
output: {"hour": 8, "minute": 47}
